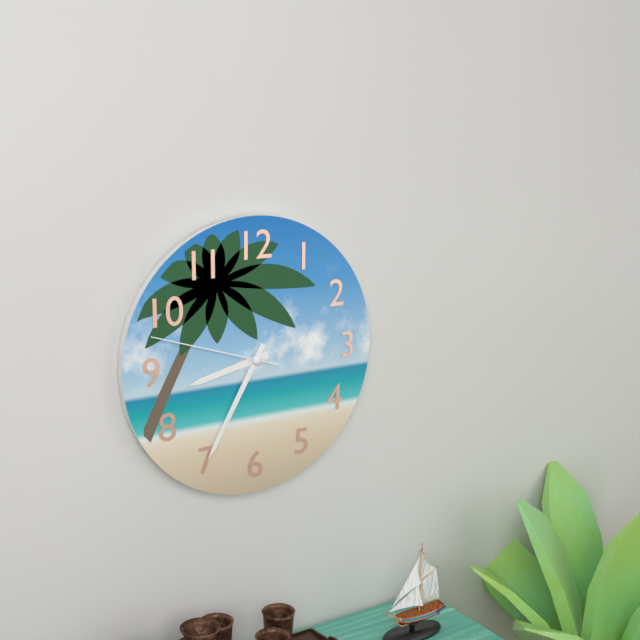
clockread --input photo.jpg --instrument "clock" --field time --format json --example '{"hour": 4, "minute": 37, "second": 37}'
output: {"hour": 8, "minute": 35, "second": 48}
